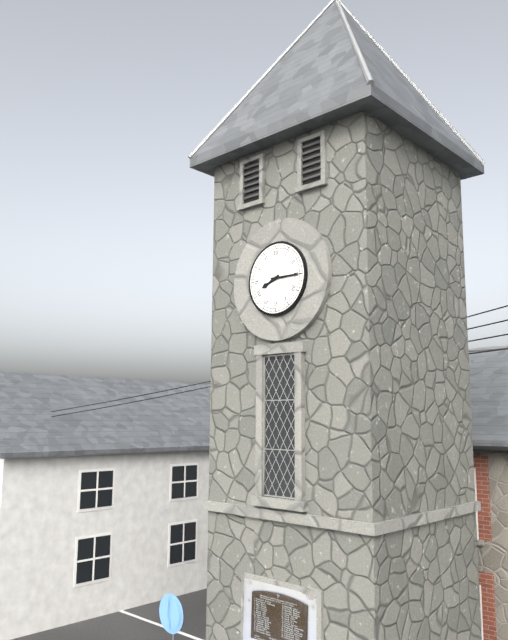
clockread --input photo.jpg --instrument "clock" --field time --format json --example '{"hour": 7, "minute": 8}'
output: {"hour": 8, "minute": 15}
